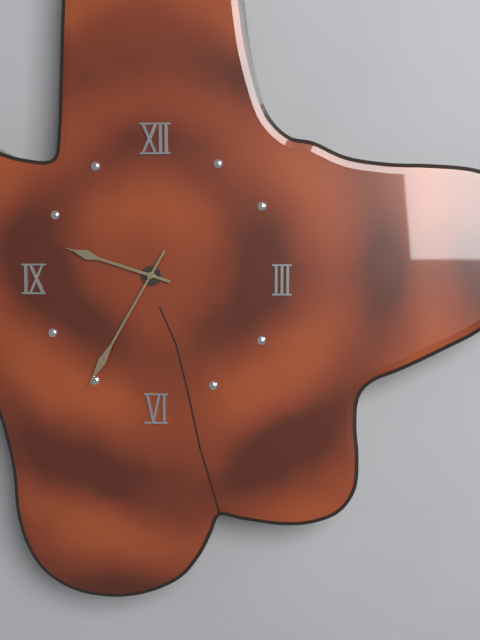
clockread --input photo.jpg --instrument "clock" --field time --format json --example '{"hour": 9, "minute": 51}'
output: {"hour": 9, "minute": 35}
